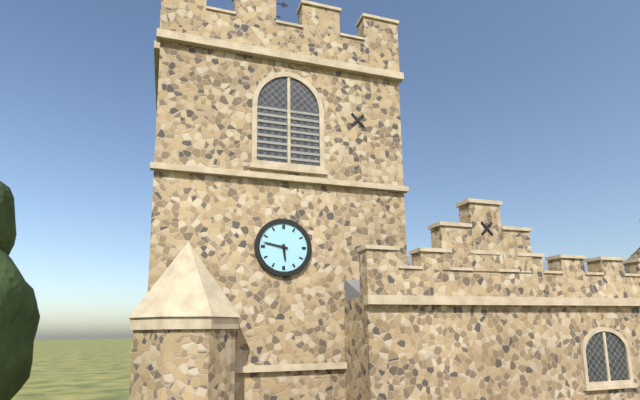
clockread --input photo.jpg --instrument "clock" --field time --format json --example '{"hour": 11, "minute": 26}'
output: {"hour": 5, "minute": 47}
